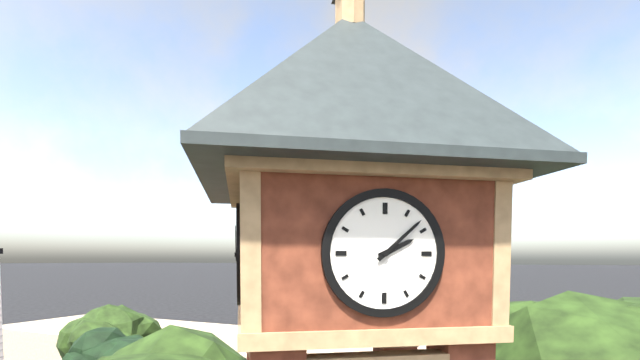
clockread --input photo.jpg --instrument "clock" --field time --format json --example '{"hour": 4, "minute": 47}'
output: {"hour": 2, "minute": 8}
